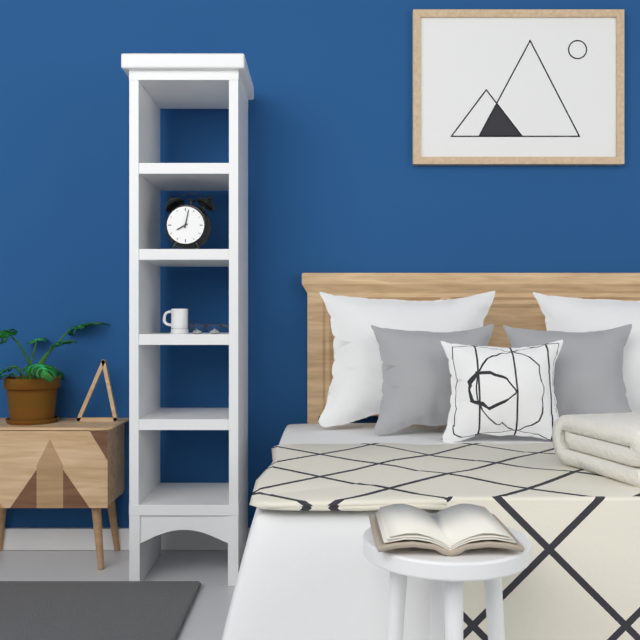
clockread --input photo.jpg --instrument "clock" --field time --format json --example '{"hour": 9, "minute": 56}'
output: {"hour": 8, "minute": 2}
